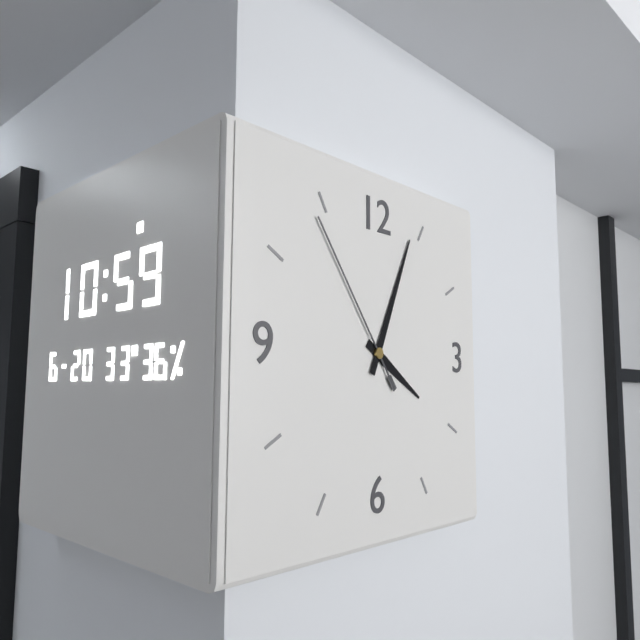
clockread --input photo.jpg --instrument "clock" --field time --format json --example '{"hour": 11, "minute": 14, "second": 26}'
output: {"hour": 4, "minute": 4, "second": 54}
